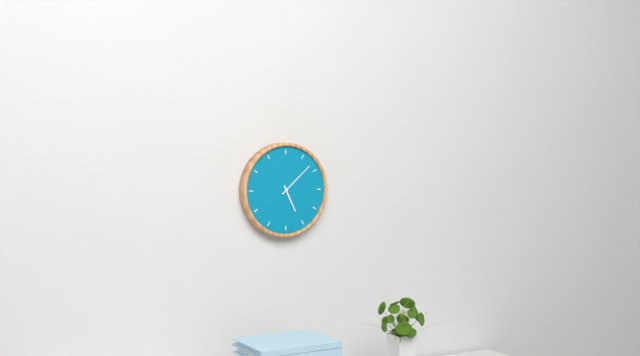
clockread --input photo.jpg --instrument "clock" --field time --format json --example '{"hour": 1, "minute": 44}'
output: {"hour": 5, "minute": 8}
